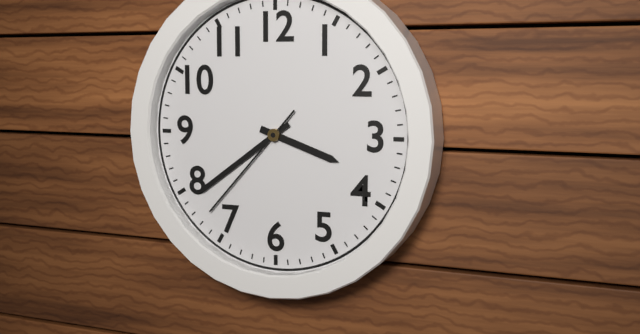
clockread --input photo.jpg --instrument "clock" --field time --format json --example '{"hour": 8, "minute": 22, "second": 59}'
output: {"hour": 3, "minute": 39, "second": 37}
